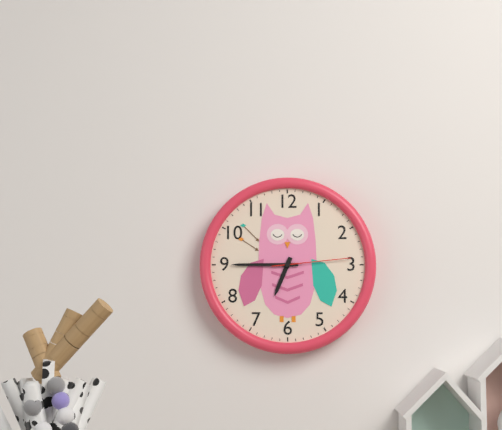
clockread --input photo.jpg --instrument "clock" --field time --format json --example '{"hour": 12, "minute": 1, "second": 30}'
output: {"hour": 6, "minute": 45, "second": 14}
